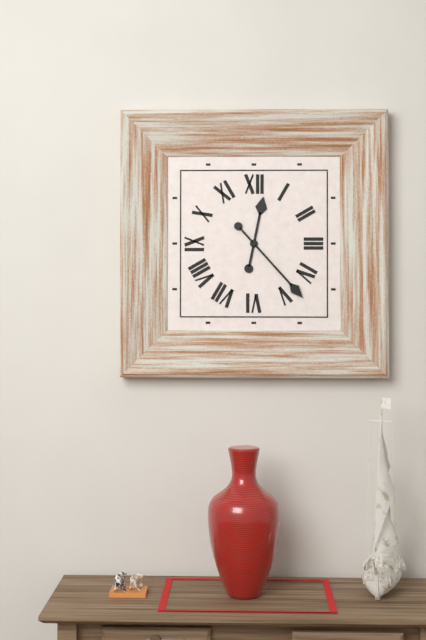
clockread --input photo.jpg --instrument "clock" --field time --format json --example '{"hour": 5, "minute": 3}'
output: {"hour": 12, "minute": 23}
